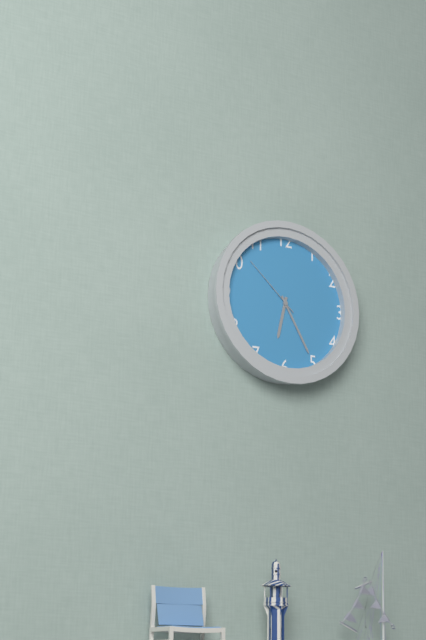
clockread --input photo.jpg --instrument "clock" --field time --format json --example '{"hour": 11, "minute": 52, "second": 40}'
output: {"hour": 6, "minute": 25, "second": 52}
